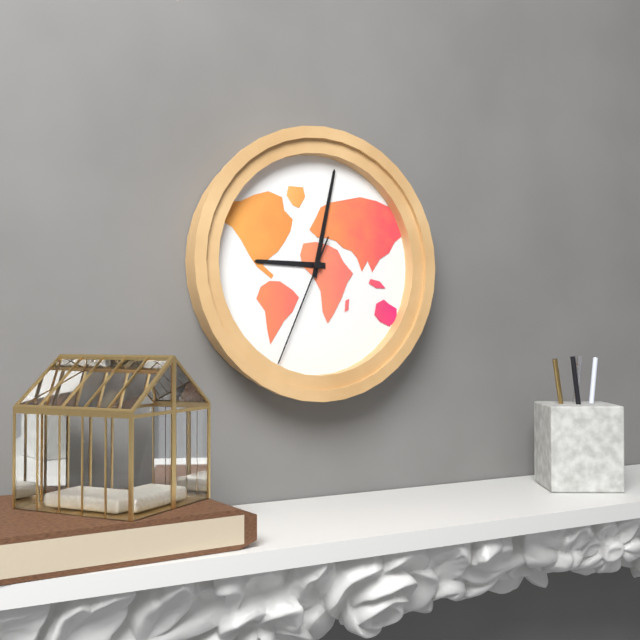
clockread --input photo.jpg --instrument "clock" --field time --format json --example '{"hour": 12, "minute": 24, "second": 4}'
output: {"hour": 9, "minute": 2, "second": 34}
